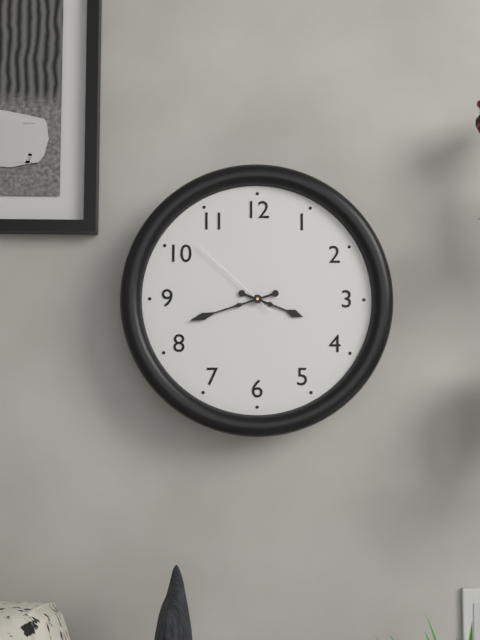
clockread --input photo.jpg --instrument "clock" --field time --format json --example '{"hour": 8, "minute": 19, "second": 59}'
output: {"hour": 3, "minute": 42, "second": 52}
